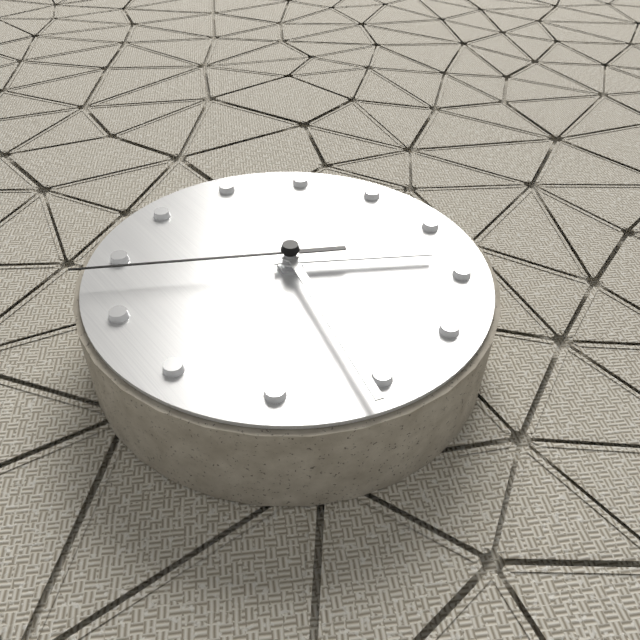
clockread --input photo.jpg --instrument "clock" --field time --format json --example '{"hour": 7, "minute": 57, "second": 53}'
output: {"hour": 5, "minute": 41, "second": 58}
